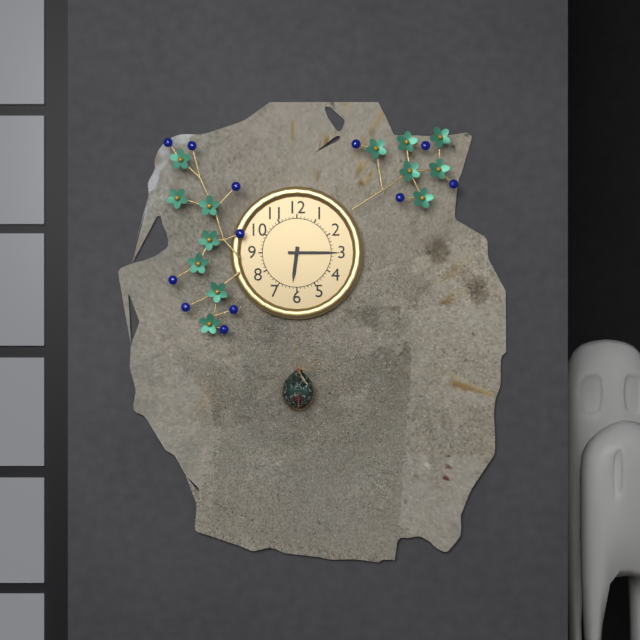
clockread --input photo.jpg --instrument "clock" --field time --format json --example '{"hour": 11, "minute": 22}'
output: {"hour": 6, "minute": 15}
